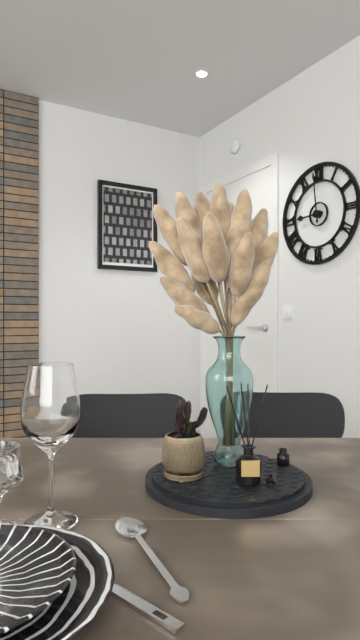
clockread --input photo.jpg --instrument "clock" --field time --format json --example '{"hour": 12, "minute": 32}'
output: {"hour": 8, "minute": 59}
